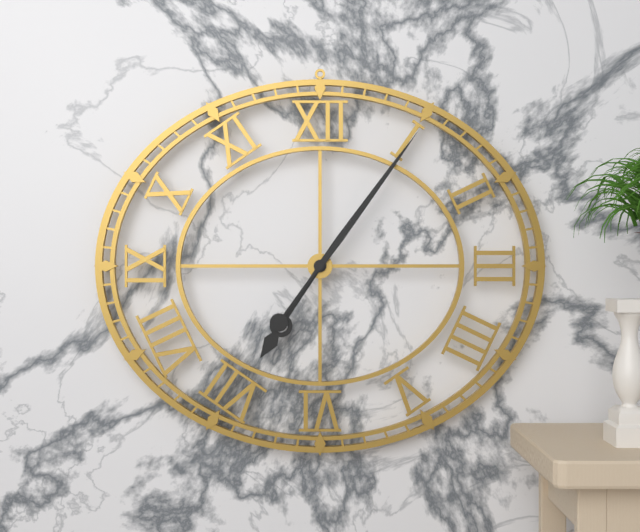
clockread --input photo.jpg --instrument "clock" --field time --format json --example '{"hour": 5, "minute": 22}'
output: {"hour": 7, "minute": 6}
